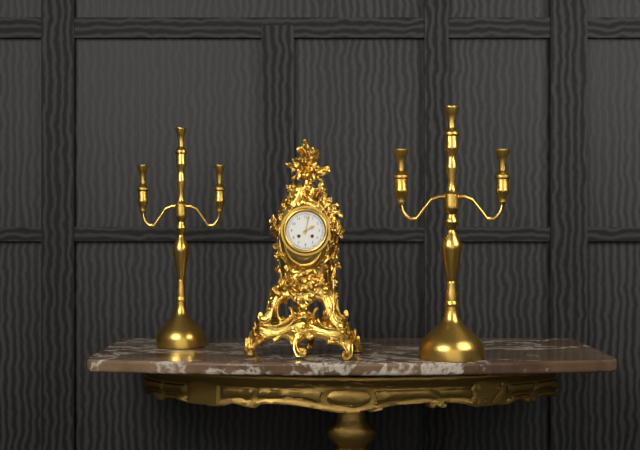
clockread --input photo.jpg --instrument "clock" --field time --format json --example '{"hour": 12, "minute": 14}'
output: {"hour": 2, "minute": 2}
